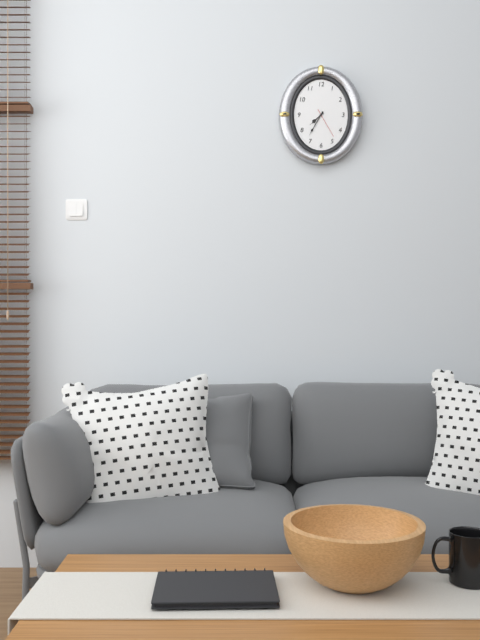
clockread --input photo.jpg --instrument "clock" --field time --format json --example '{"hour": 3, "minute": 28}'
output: {"hour": 7, "minute": 35}
